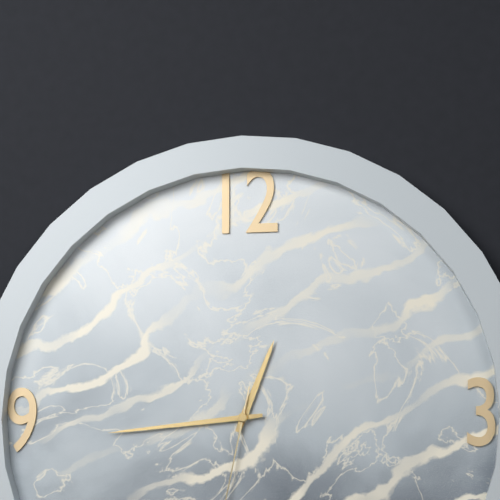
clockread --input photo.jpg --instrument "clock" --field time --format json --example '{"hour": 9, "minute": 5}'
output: {"hour": 12, "minute": 44}
